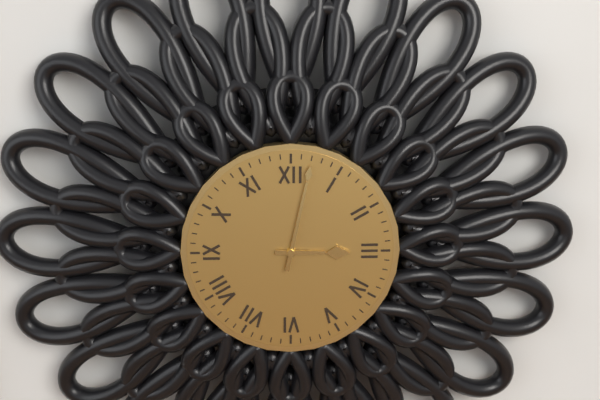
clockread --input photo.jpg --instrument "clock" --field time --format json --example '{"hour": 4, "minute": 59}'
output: {"hour": 3, "minute": 2}
